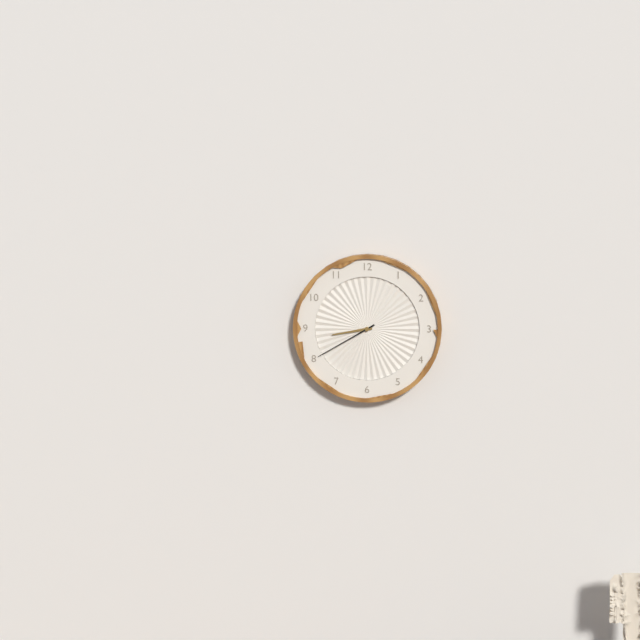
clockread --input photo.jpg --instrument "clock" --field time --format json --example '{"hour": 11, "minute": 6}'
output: {"hour": 8, "minute": 40}
